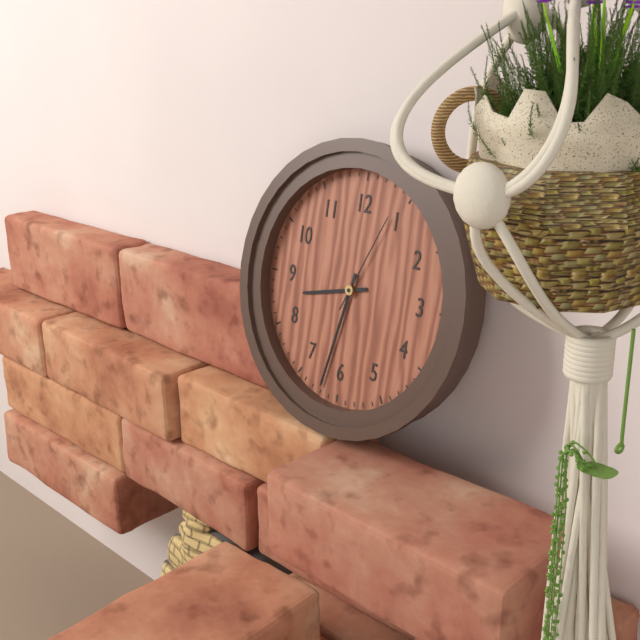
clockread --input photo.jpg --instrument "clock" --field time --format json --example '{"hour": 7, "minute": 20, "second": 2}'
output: {"hour": 8, "minute": 32, "second": 4}
